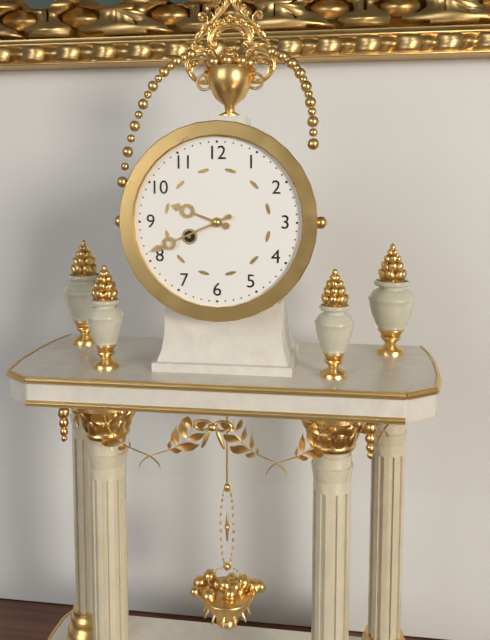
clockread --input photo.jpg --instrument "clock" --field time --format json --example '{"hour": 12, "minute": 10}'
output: {"hour": 9, "minute": 41}
